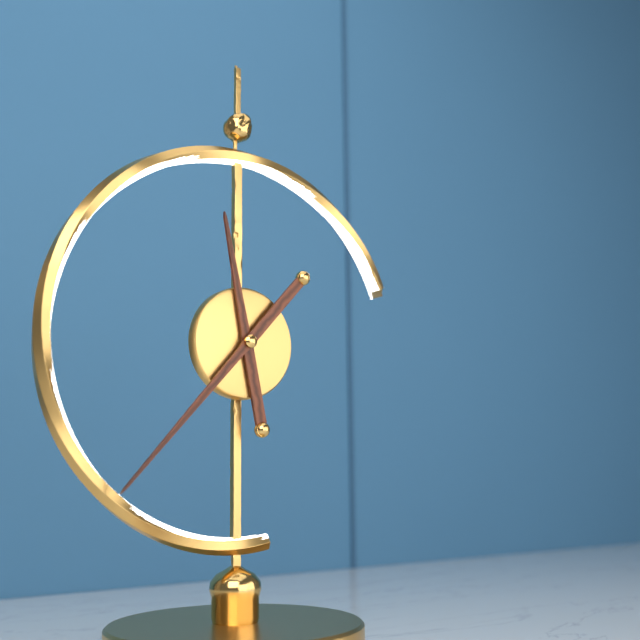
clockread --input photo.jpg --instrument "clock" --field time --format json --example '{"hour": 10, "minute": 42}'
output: {"hour": 11, "minute": 37}
